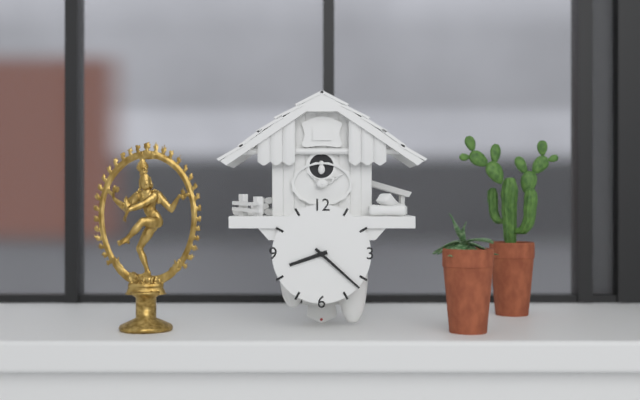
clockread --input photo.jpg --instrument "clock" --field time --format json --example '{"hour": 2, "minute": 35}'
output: {"hour": 8, "minute": 22}
